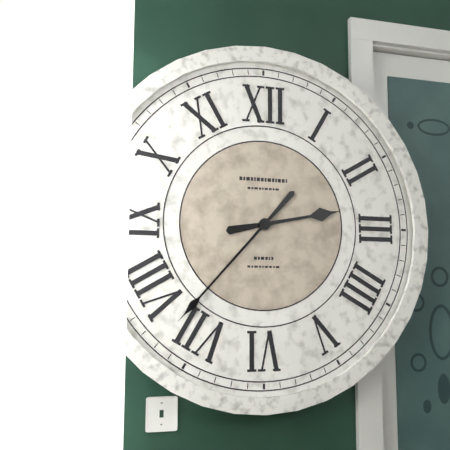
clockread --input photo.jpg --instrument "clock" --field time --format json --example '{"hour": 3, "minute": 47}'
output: {"hour": 2, "minute": 37}
